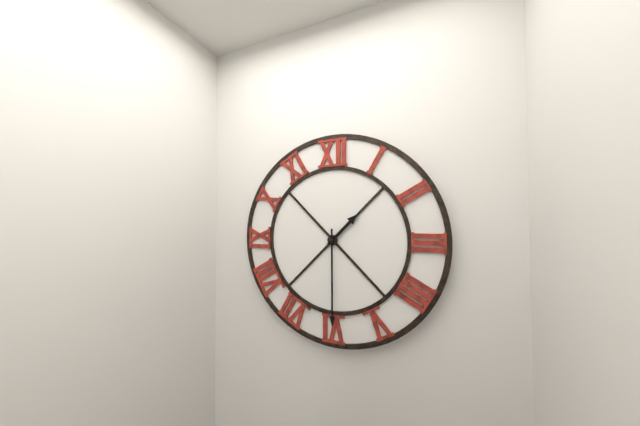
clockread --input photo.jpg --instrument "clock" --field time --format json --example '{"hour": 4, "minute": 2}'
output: {"hour": 1, "minute": 30}
